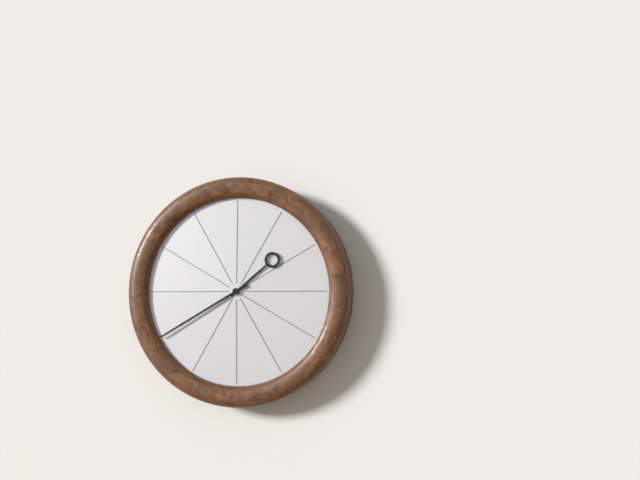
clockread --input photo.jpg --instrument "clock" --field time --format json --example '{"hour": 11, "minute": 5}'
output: {"hour": 1, "minute": 40}
